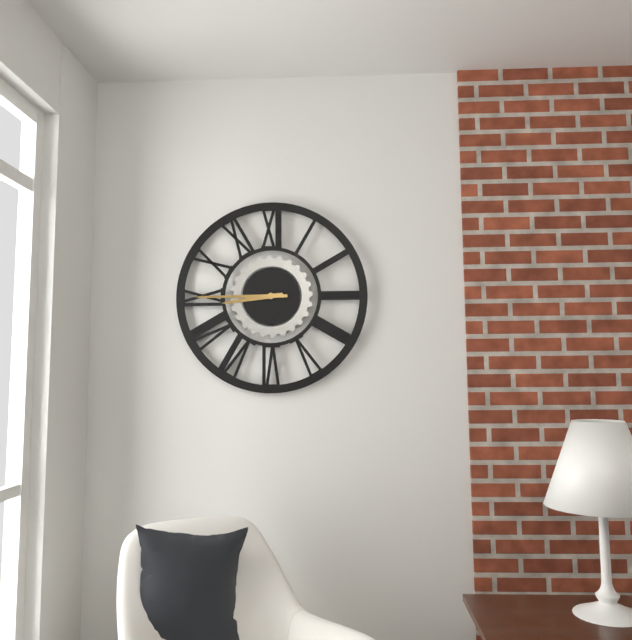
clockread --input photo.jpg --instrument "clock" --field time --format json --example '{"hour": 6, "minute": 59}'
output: {"hour": 8, "minute": 45}
